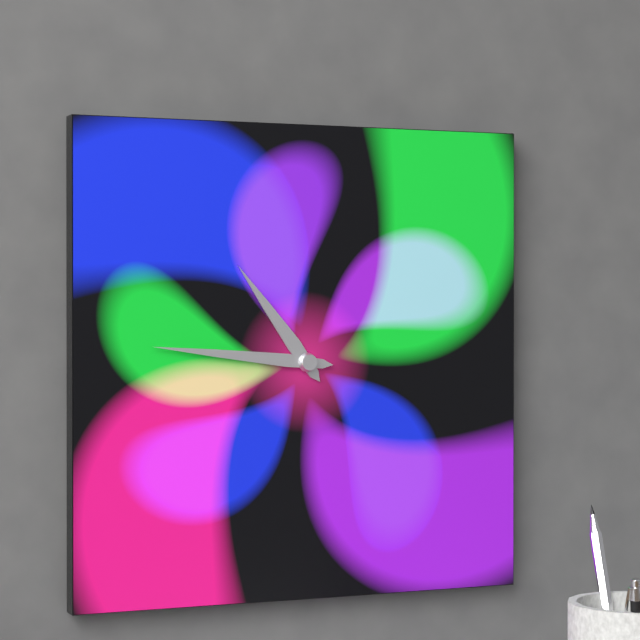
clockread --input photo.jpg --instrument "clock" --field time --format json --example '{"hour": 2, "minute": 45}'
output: {"hour": 10, "minute": 46}
